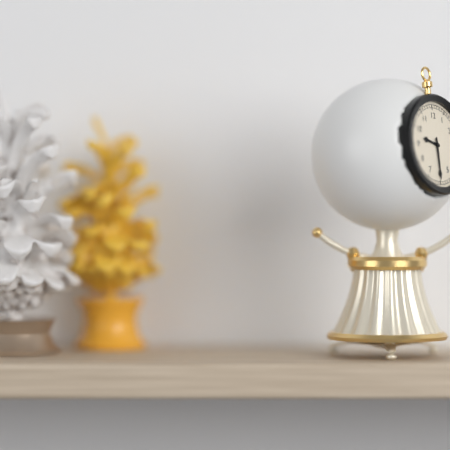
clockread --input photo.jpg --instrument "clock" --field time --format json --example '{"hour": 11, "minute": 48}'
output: {"hour": 9, "minute": 30}
